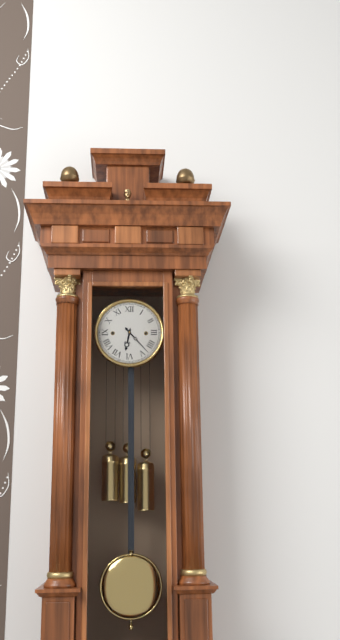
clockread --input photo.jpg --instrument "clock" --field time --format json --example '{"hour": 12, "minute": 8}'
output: {"hour": 6, "minute": 23}
